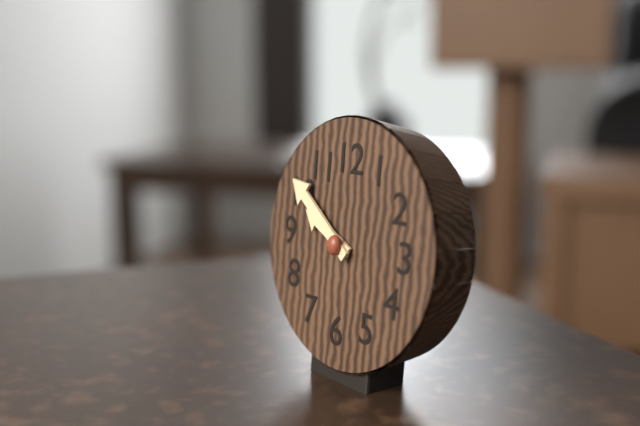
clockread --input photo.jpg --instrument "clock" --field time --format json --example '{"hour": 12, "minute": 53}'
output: {"hour": 9, "minute": 51}
